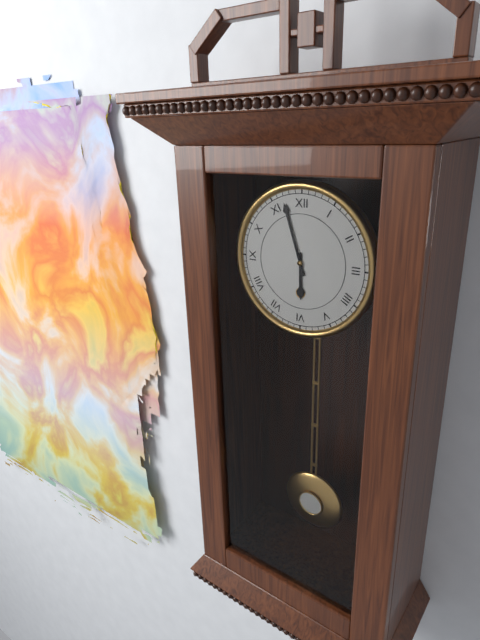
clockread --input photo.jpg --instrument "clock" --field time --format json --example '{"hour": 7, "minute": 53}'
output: {"hour": 5, "minute": 57}
